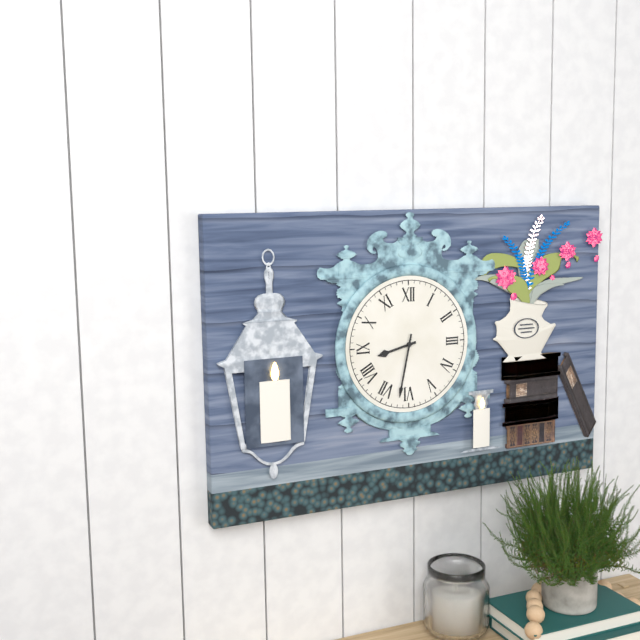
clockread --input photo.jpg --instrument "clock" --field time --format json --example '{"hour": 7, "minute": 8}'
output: {"hour": 8, "minute": 32}
